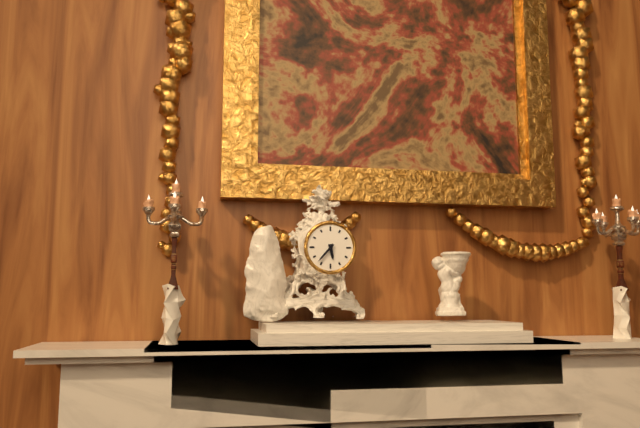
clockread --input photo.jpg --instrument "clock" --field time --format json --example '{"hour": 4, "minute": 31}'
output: {"hour": 5, "minute": 37}
